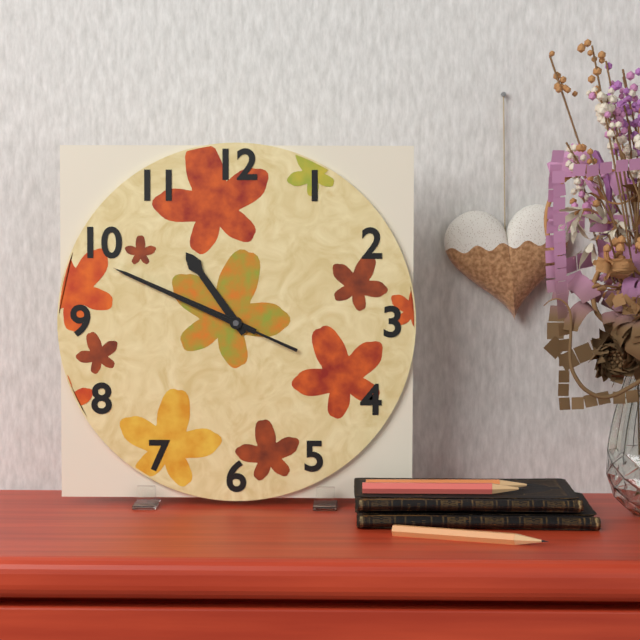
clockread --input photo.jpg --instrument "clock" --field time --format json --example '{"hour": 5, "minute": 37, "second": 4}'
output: {"hour": 10, "minute": 49, "second": 49}
